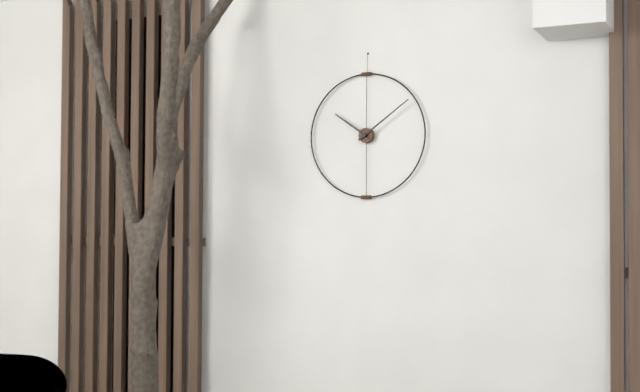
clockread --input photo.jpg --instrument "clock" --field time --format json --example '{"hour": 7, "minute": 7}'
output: {"hour": 10, "minute": 9}
